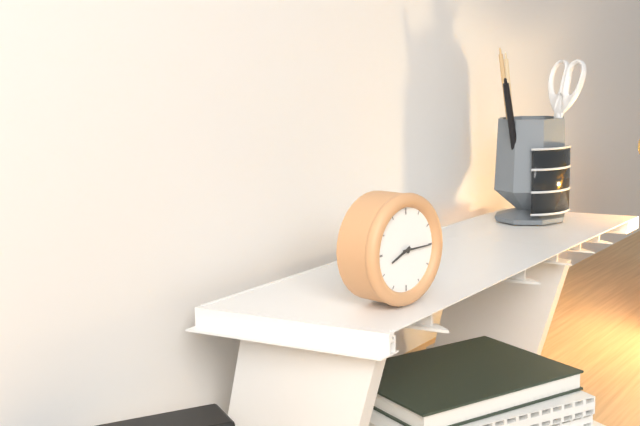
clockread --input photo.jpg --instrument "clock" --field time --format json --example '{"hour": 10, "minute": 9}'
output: {"hour": 8, "minute": 15}
